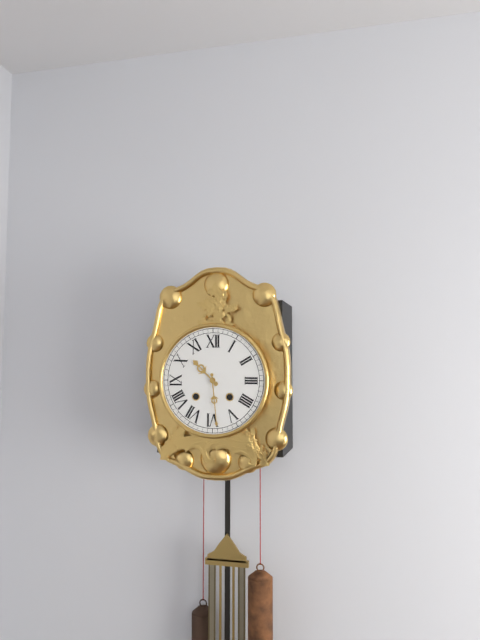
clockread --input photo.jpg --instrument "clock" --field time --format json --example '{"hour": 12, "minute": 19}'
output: {"hour": 10, "minute": 29}
